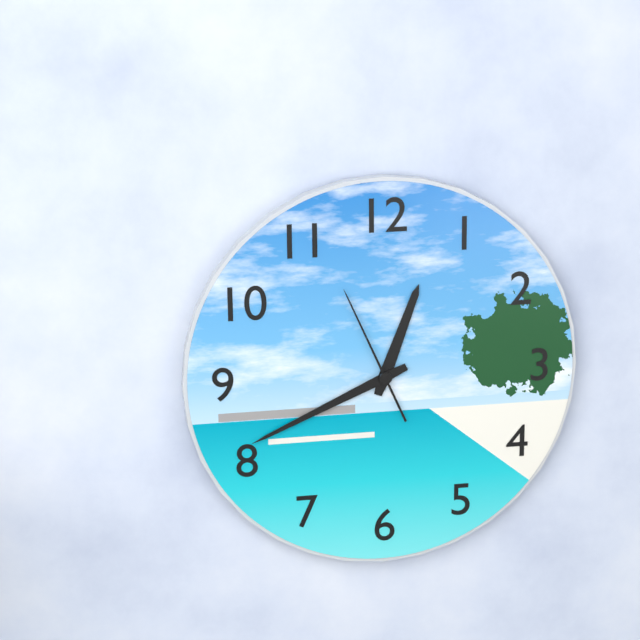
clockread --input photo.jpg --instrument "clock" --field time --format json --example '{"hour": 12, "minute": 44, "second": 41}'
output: {"hour": 12, "minute": 41, "second": 56}
